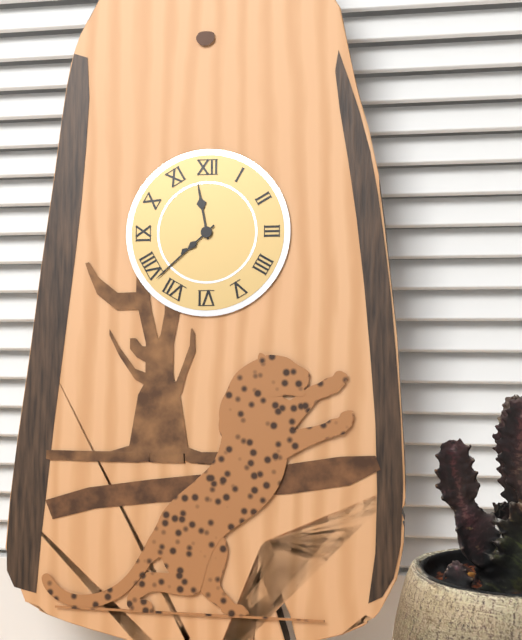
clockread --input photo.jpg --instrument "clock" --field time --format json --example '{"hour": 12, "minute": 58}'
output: {"hour": 11, "minute": 38}
